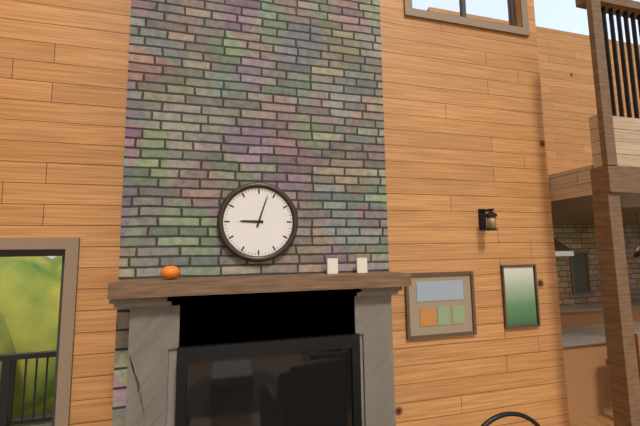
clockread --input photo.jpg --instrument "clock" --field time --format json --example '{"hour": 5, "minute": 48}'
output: {"hour": 9, "minute": 3}
